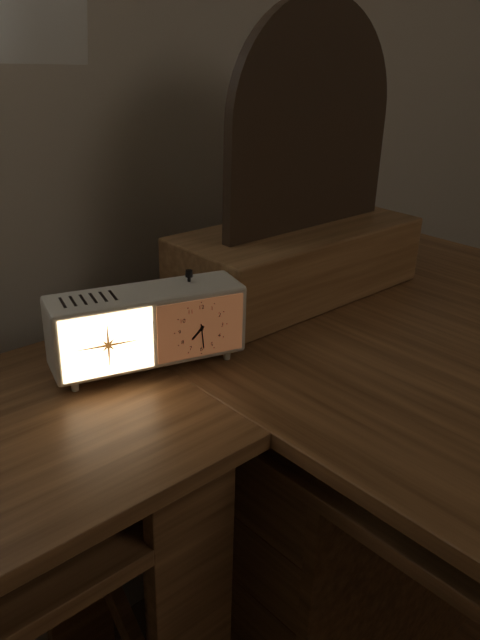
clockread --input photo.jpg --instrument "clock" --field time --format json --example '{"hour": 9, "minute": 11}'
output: {"hour": 7, "minute": 29}
